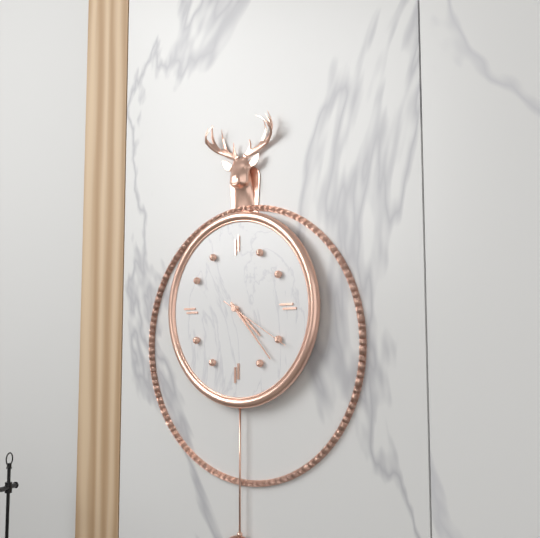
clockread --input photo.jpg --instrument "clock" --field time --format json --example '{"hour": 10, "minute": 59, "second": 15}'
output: {"hour": 4, "minute": 23, "second": 20}
